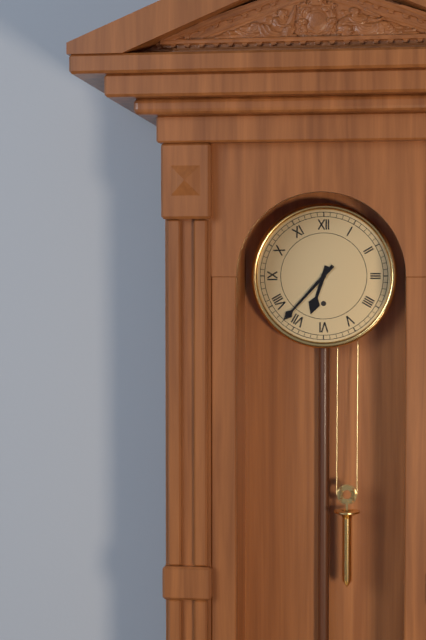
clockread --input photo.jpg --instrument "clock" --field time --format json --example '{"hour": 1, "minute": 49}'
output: {"hour": 6, "minute": 37}
